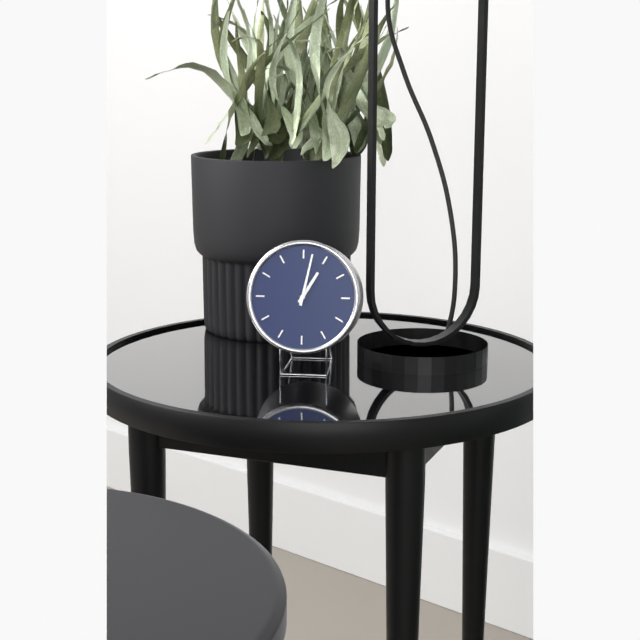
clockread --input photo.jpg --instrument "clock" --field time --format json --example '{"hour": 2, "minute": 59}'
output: {"hour": 1, "minute": 2}
